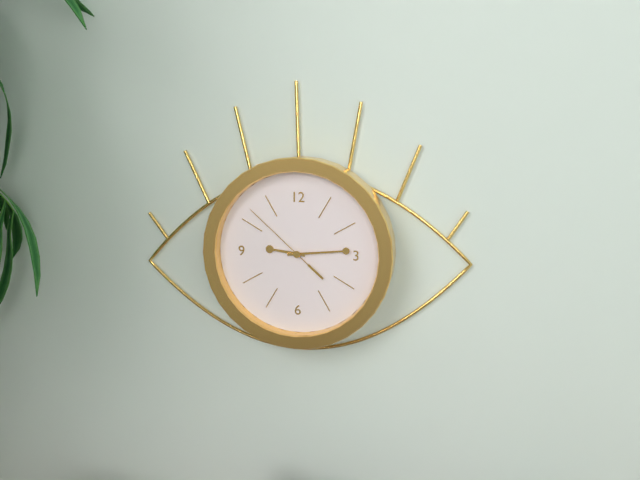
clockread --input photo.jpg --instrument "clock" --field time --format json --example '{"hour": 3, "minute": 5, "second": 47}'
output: {"hour": 9, "minute": 14, "second": 52}
